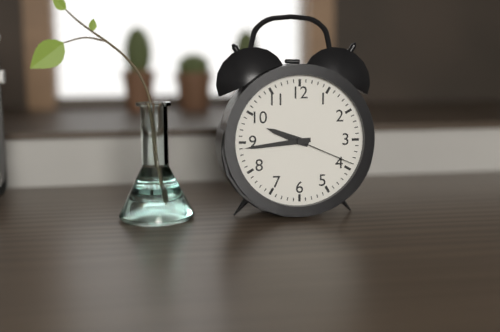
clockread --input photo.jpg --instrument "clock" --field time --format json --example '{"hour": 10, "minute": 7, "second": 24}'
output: {"hour": 9, "minute": 44, "second": 19}
